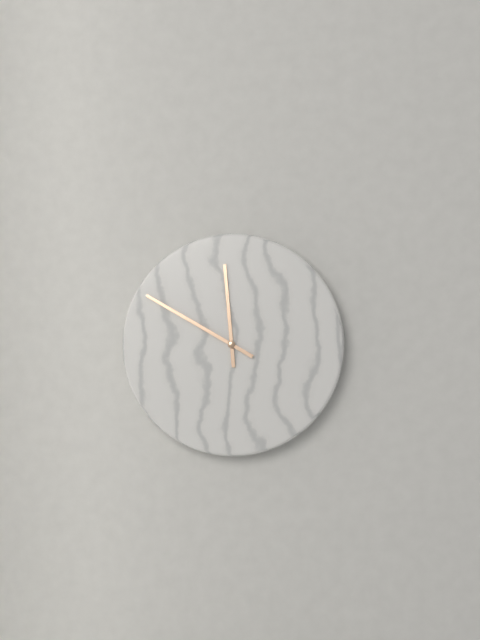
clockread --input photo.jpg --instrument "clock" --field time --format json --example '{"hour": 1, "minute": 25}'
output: {"hour": 11, "minute": 50}
